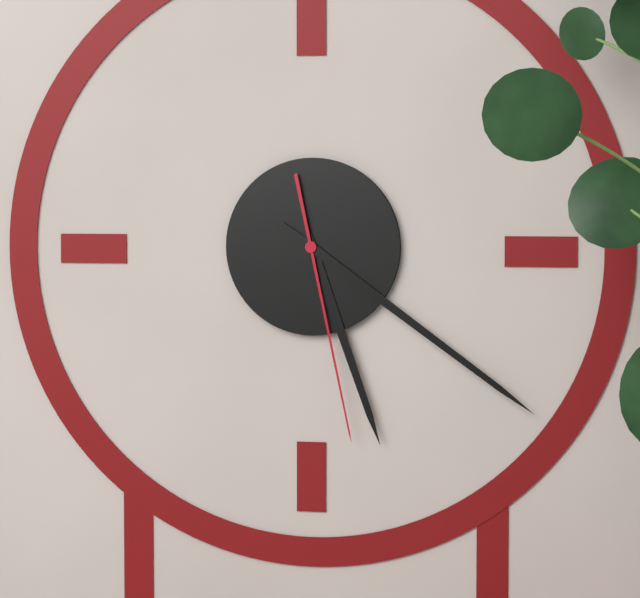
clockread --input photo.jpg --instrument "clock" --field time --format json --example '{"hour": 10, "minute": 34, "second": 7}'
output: {"hour": 5, "minute": 21, "second": 28}
